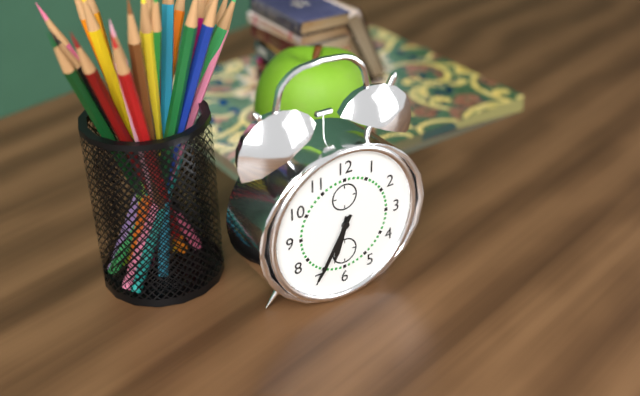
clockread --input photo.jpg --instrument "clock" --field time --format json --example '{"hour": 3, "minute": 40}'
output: {"hour": 6, "minute": 35}
